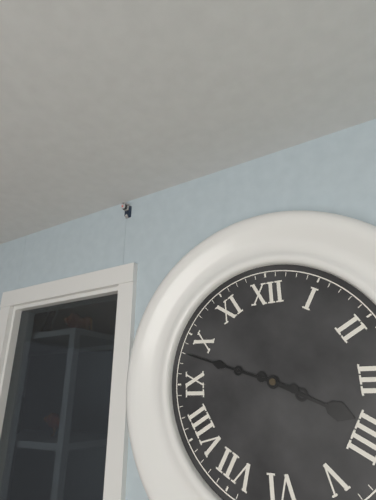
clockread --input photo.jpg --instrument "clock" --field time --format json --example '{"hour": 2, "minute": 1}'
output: {"hour": 3, "minute": 48}
